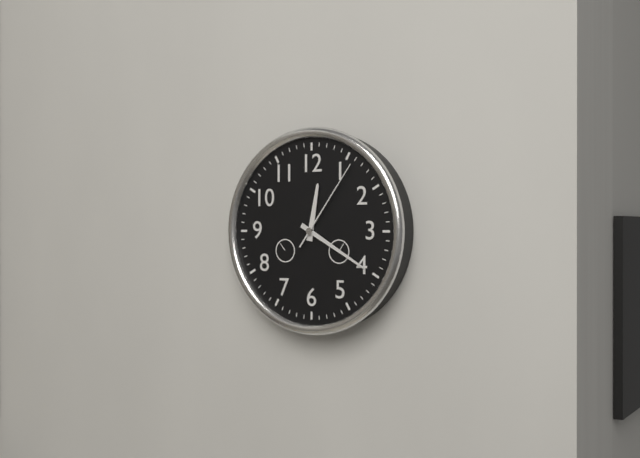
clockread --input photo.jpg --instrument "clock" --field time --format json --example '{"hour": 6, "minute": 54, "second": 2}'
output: {"hour": 12, "minute": 20, "second": 6}
